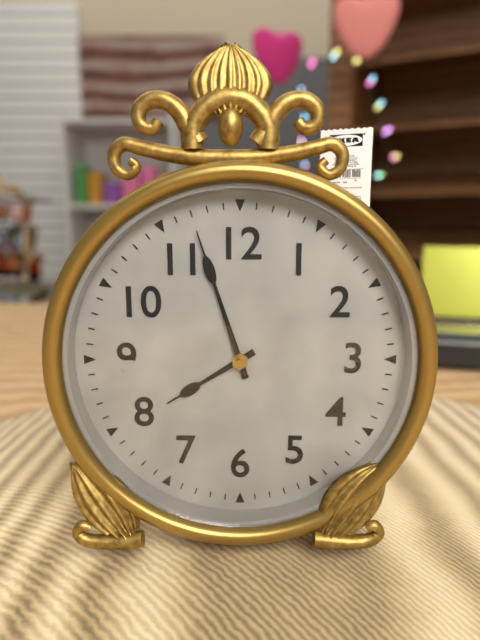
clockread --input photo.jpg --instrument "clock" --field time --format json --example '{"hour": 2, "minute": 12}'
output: {"hour": 7, "minute": 57}
